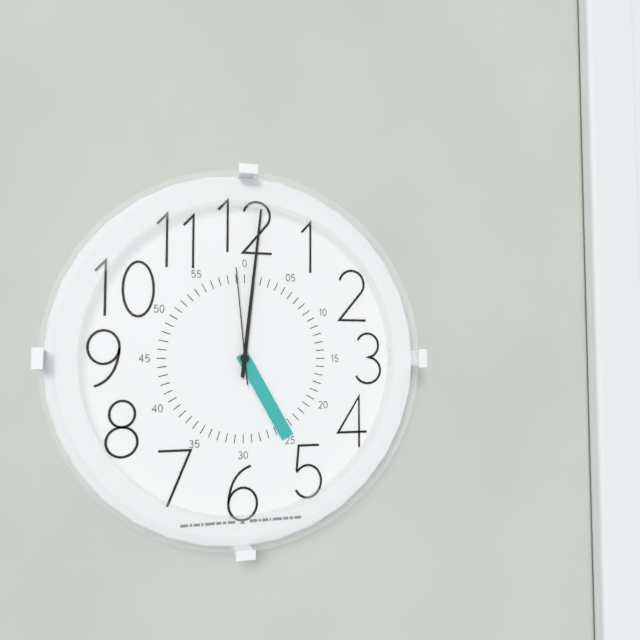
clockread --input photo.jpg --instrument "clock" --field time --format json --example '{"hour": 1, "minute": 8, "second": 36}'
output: {"hour": 5, "minute": 1, "second": 59}
